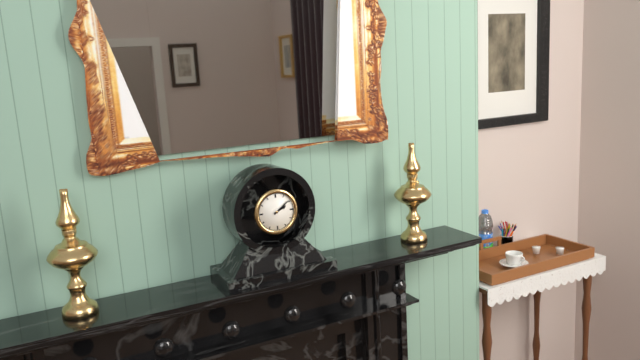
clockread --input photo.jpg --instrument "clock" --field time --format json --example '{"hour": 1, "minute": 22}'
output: {"hour": 2, "minute": 9}
